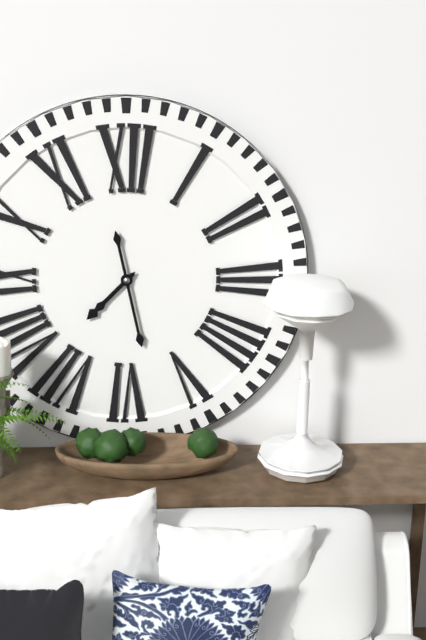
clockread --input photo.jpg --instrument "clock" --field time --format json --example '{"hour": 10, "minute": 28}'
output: {"hour": 7, "minute": 28}
